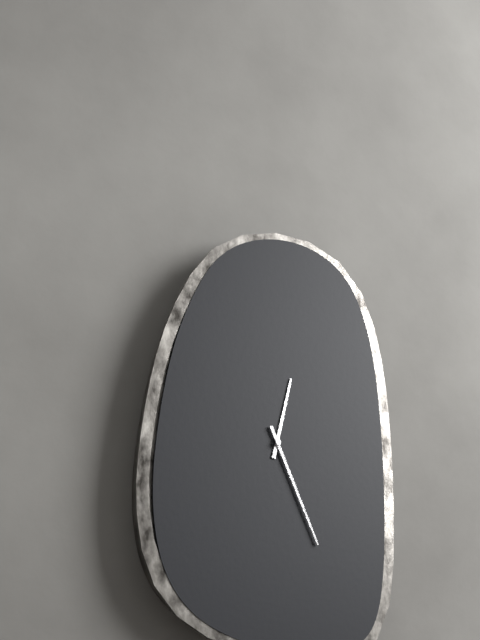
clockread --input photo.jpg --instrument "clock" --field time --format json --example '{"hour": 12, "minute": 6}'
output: {"hour": 12, "minute": 26}
